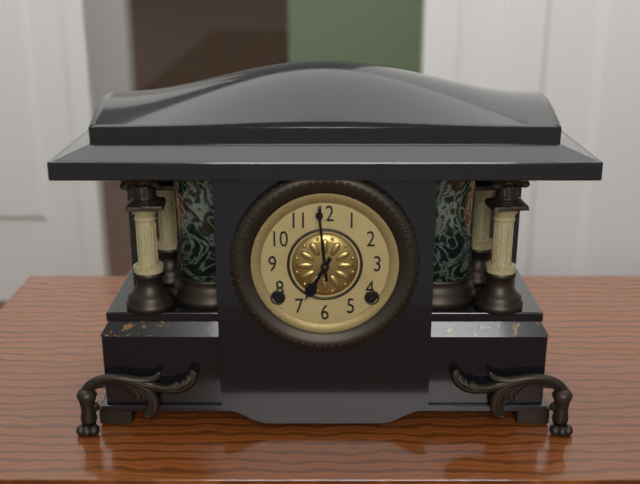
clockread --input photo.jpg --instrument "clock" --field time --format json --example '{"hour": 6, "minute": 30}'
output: {"hour": 6, "minute": 59}
